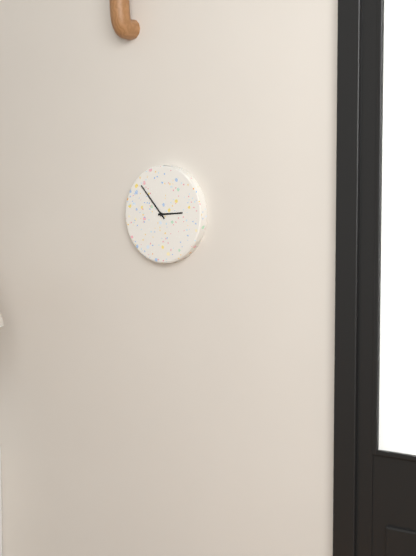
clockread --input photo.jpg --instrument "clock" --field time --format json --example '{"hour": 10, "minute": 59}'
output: {"hour": 2, "minute": 53}
